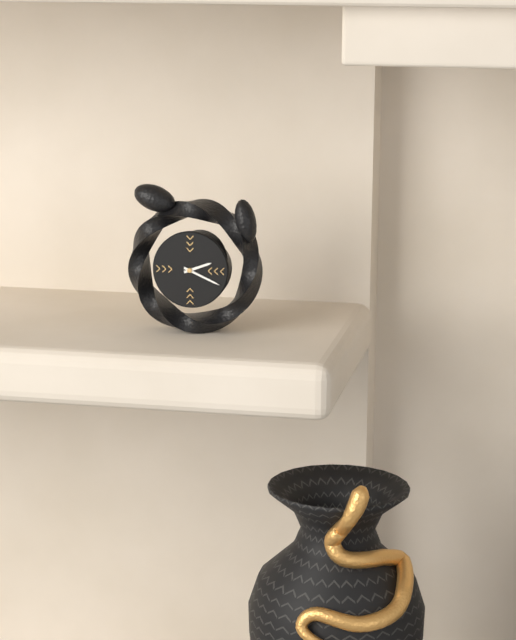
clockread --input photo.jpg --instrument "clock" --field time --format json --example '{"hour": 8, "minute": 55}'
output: {"hour": 2, "minute": 19}
